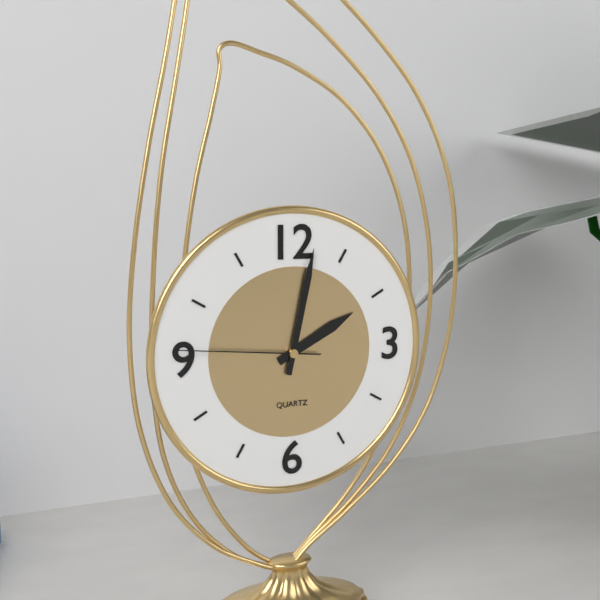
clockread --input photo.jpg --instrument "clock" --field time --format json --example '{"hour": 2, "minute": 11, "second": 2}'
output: {"hour": 2, "minute": 2, "second": 46}
